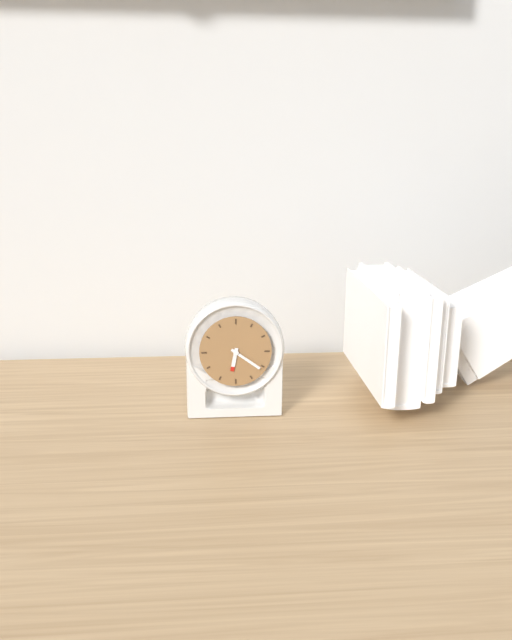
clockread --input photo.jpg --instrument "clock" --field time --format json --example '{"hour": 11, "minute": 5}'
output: {"hour": 6, "minute": 21}
